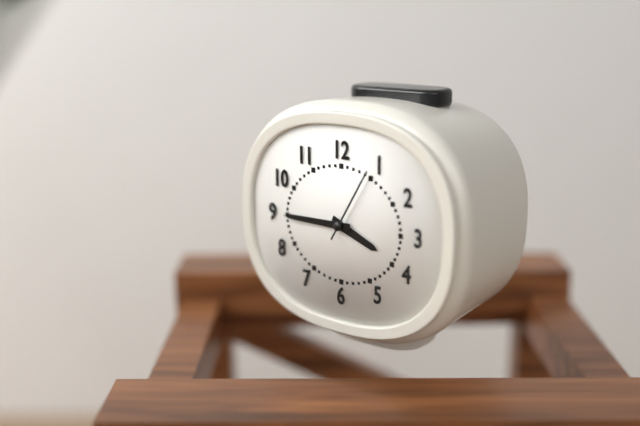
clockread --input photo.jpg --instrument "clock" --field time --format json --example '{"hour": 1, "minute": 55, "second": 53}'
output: {"hour": 3, "minute": 45, "second": 5}
